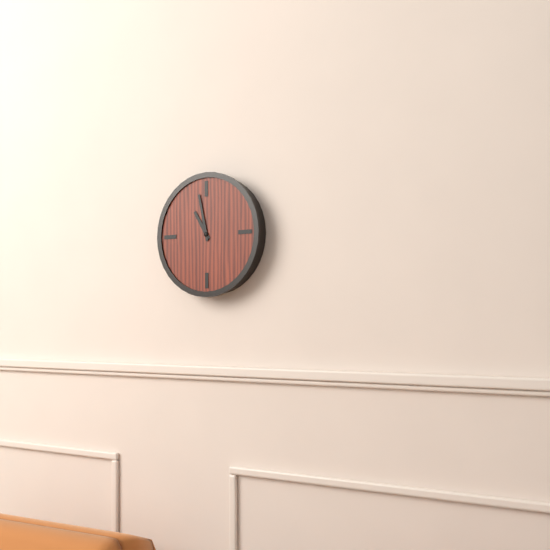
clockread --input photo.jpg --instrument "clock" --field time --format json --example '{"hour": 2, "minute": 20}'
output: {"hour": 10, "minute": 58}
